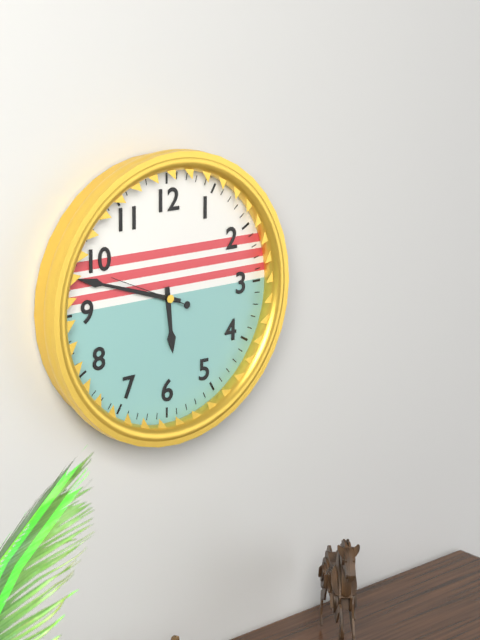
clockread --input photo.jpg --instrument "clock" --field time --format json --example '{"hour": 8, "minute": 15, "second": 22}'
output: {"hour": 5, "minute": 48, "second": 49}
